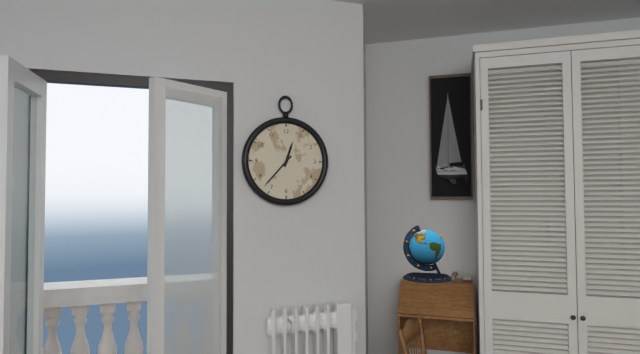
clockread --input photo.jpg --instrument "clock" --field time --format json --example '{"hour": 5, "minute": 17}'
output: {"hour": 12, "minute": 37}
